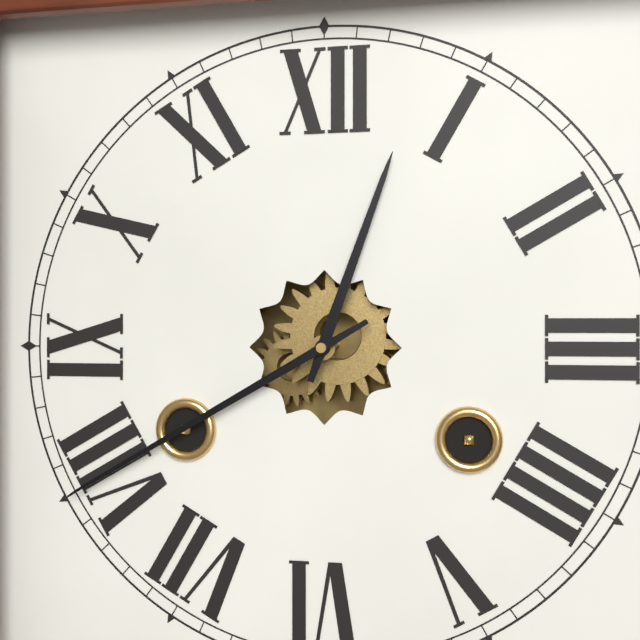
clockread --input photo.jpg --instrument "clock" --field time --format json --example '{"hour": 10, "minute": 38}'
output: {"hour": 12, "minute": 40}
